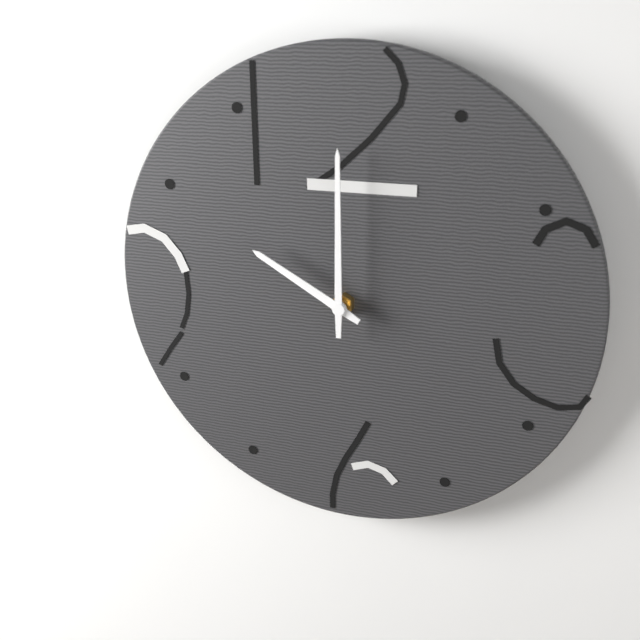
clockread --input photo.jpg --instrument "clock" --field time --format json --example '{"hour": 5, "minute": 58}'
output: {"hour": 10, "minute": 0}
